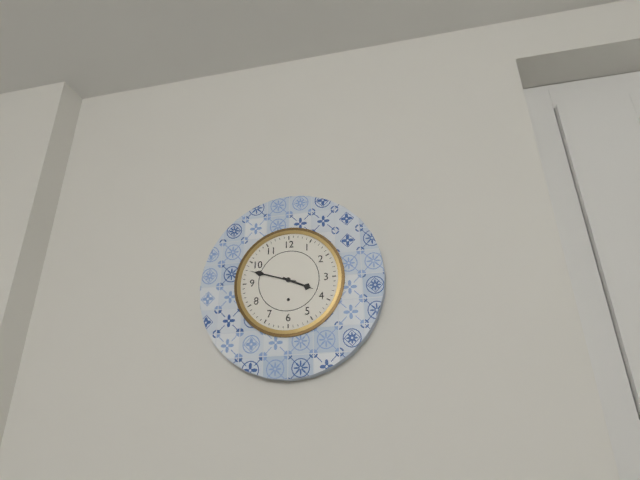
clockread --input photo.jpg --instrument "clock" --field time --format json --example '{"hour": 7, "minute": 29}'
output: {"hour": 3, "minute": 48}
